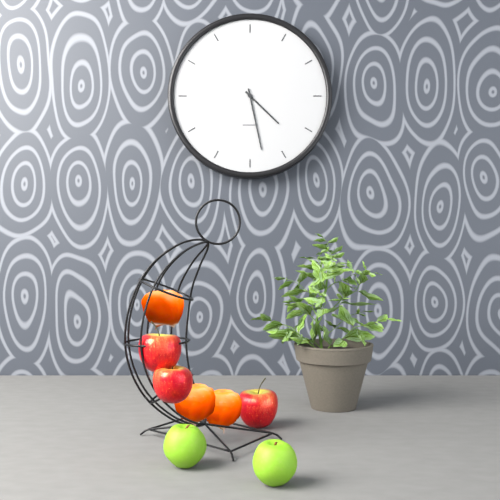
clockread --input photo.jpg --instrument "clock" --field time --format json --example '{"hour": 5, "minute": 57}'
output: {"hour": 4, "minute": 28}
